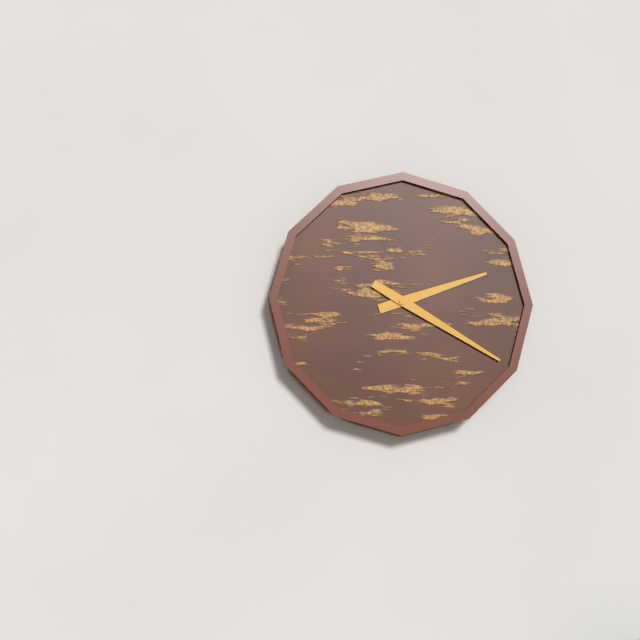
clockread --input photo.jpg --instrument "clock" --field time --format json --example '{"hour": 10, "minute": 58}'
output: {"hour": 2, "minute": 20}
